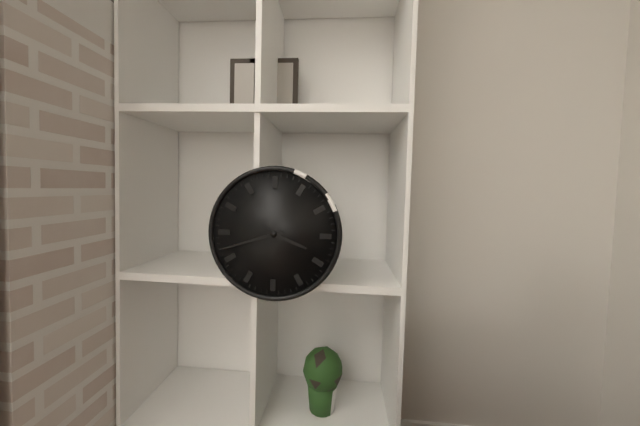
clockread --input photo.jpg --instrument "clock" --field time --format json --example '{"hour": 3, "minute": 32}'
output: {"hour": 3, "minute": 42}
